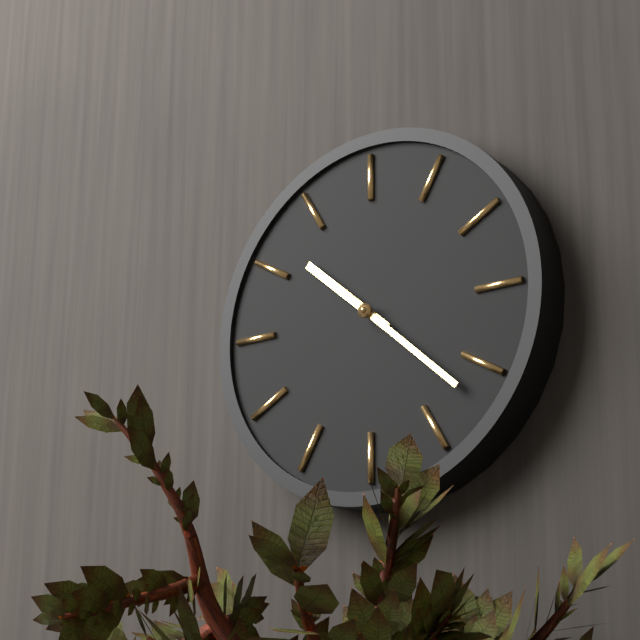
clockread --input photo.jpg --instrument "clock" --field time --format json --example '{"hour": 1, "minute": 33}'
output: {"hour": 10, "minute": 22}
